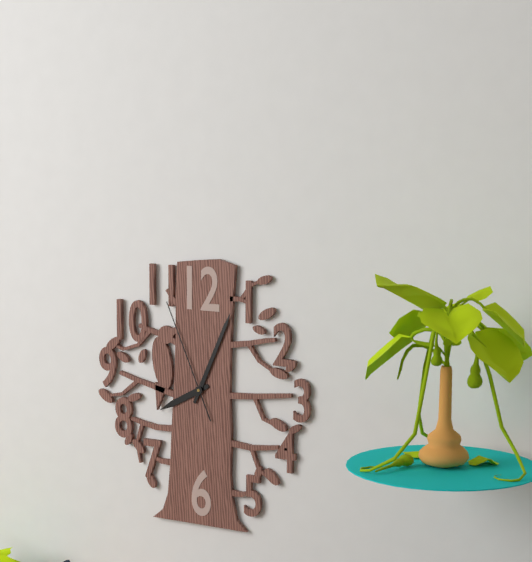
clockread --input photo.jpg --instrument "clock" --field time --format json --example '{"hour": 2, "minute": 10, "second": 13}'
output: {"hour": 8, "minute": 4, "second": 56}
